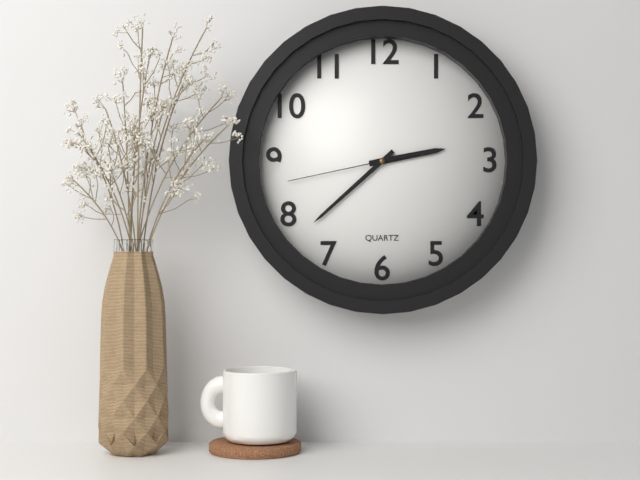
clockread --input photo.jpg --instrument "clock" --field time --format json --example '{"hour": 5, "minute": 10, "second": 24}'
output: {"hour": 2, "minute": 38, "second": 43}
